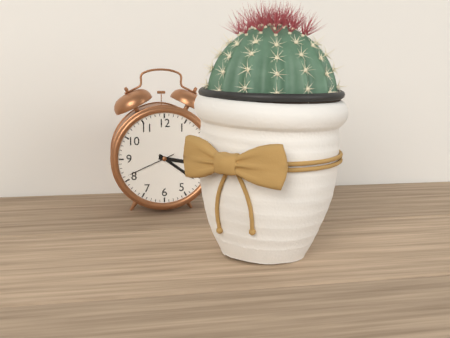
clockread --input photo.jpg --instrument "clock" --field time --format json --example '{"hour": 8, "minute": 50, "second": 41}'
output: {"hour": 3, "minute": 21, "second": 41}
